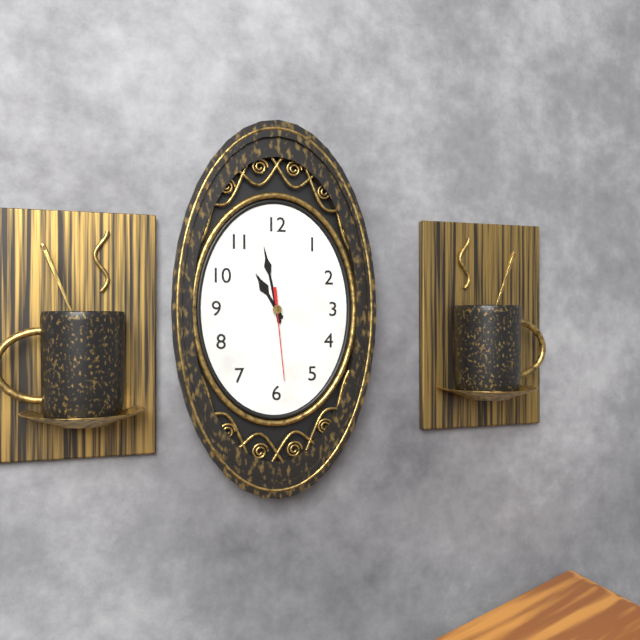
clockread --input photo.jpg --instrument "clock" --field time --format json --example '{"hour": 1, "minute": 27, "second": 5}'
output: {"hour": 10, "minute": 58, "second": 29}
